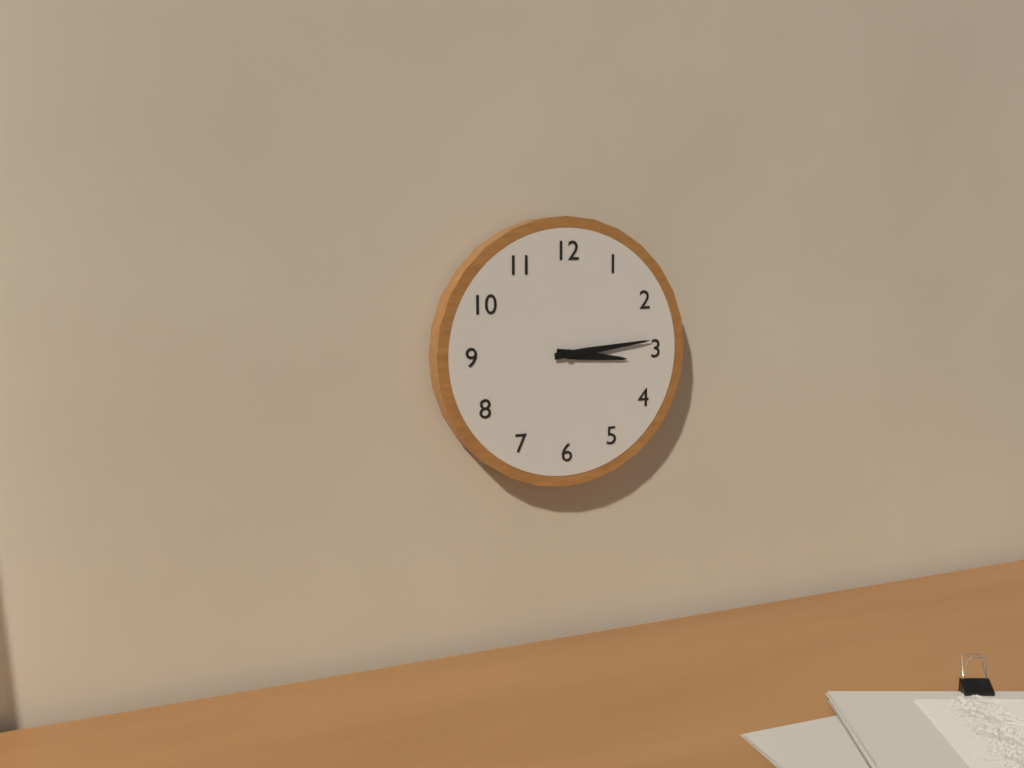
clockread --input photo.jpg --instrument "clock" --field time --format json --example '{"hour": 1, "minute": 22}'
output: {"hour": 3, "minute": 14}
